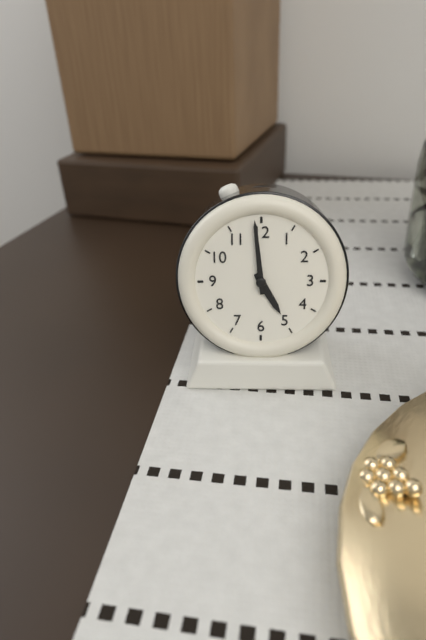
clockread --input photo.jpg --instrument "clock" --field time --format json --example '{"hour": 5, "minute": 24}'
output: {"hour": 4, "minute": 59}
